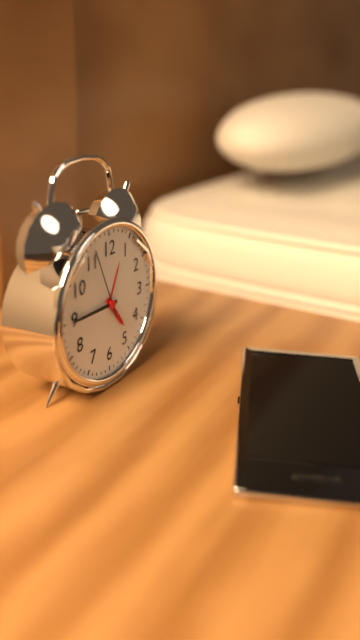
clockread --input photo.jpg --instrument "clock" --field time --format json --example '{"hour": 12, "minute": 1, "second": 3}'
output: {"hour": 4, "minute": 45, "second": 56}
